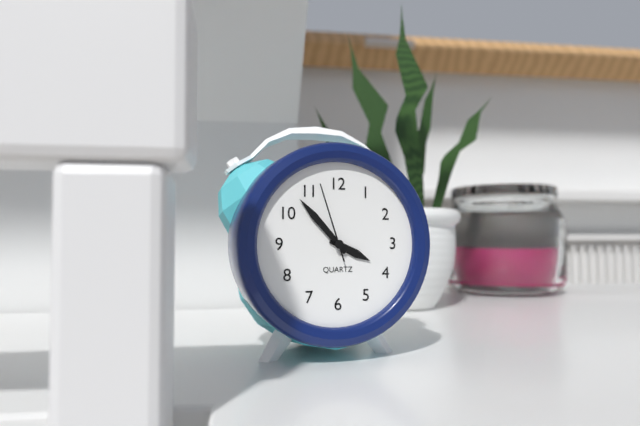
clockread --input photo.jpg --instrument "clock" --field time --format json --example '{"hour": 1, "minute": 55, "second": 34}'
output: {"hour": 3, "minute": 53, "second": 57}
